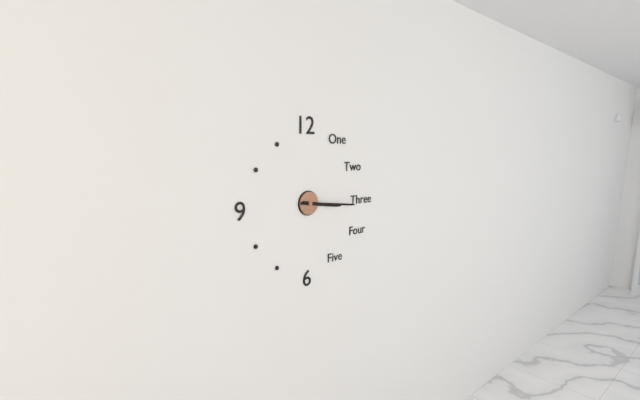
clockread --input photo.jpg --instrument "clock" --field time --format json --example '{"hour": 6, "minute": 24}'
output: {"hour": 3, "minute": 16}
